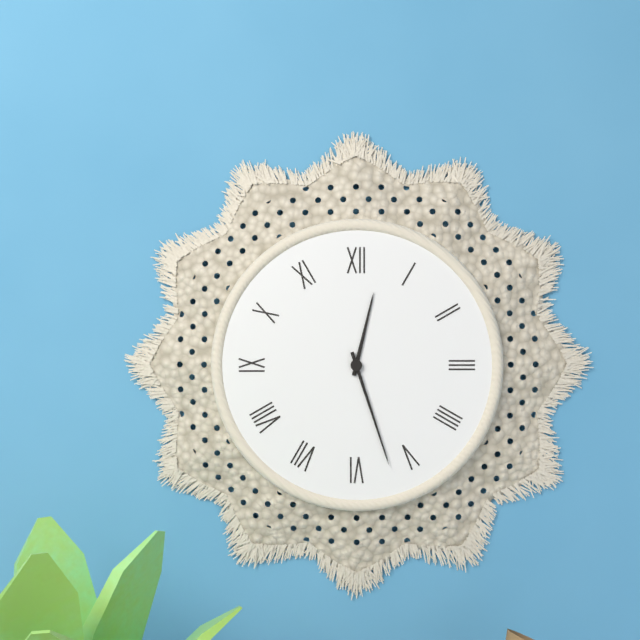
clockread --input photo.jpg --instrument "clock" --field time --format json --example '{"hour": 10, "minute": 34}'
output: {"hour": 12, "minute": 27}
